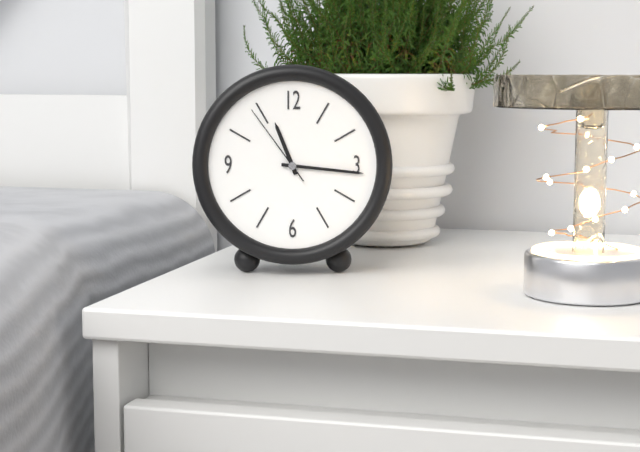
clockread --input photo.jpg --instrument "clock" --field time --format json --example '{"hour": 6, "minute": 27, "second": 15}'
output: {"hour": 11, "minute": 16, "second": 54}
